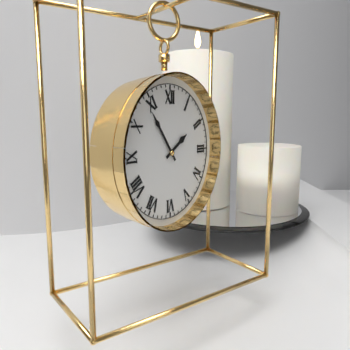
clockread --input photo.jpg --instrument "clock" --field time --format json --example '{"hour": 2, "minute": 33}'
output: {"hour": 1, "minute": 54}
